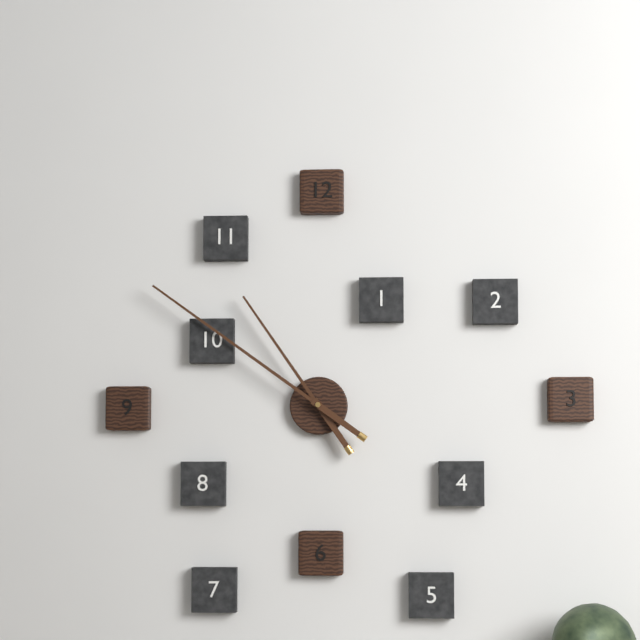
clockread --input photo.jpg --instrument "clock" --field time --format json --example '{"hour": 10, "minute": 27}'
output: {"hour": 10, "minute": 51}
